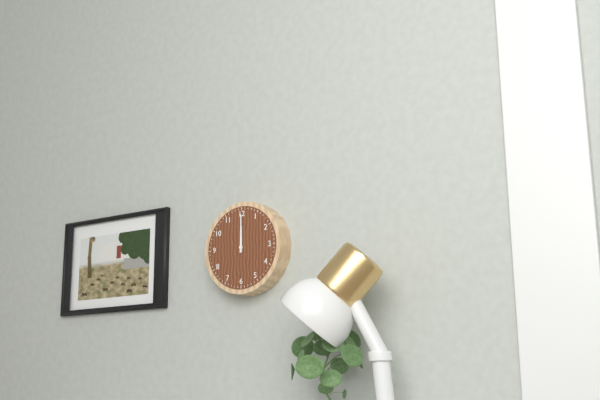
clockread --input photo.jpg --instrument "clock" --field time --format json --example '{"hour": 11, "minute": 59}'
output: {"hour": 12, "minute": 0}
